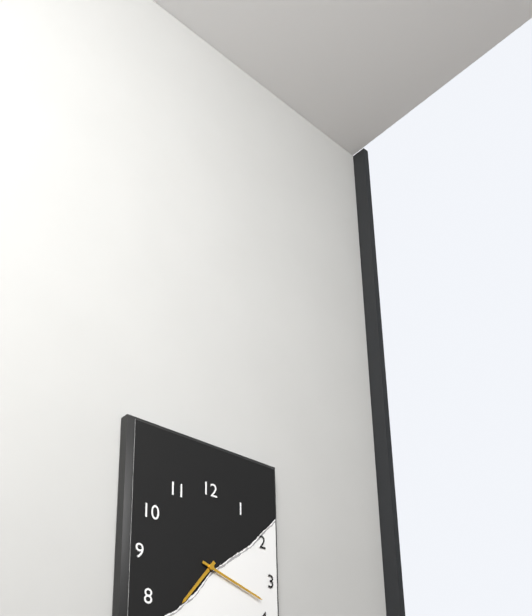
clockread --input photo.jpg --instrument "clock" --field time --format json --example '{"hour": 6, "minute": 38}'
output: {"hour": 7, "minute": 18}
